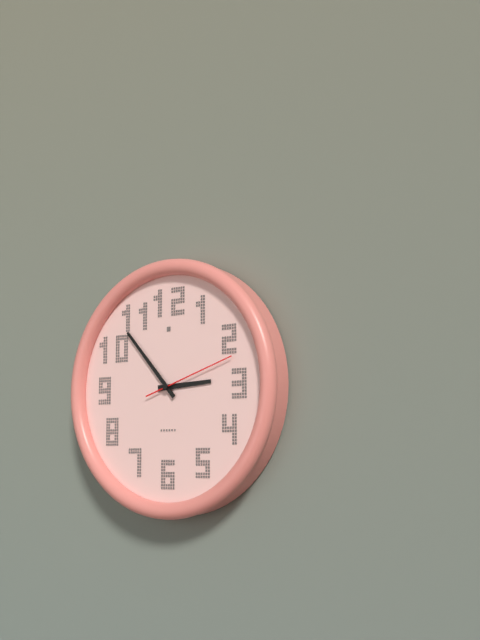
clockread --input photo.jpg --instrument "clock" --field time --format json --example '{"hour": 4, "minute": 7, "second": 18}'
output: {"hour": 2, "minute": 53, "second": 12}
